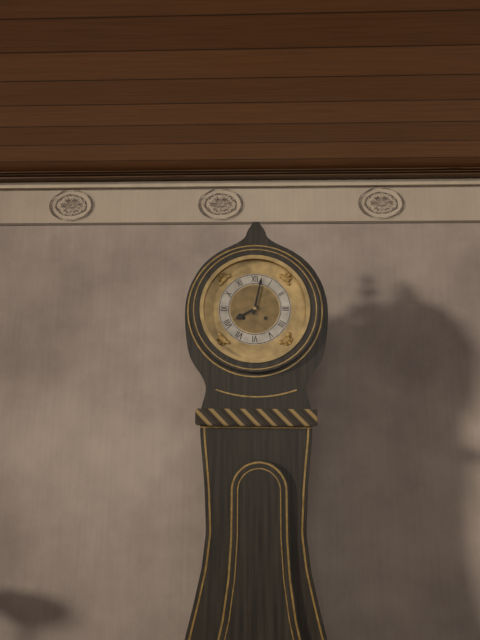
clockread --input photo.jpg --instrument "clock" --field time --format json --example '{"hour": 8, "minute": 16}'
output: {"hour": 8, "minute": 2}
